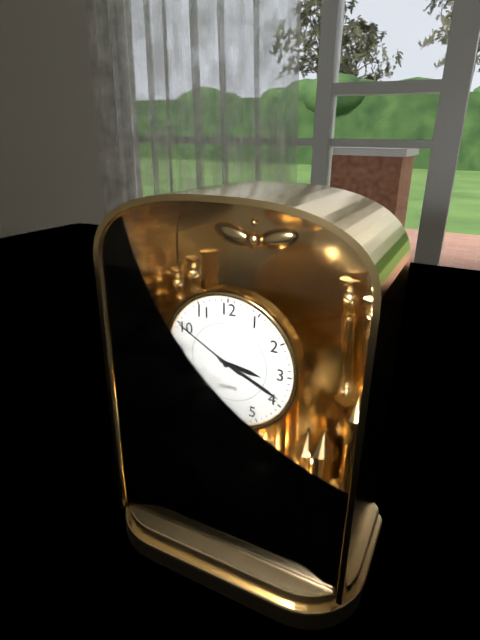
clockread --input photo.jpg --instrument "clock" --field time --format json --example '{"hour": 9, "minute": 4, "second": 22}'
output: {"hour": 3, "minute": 19, "second": 50}
